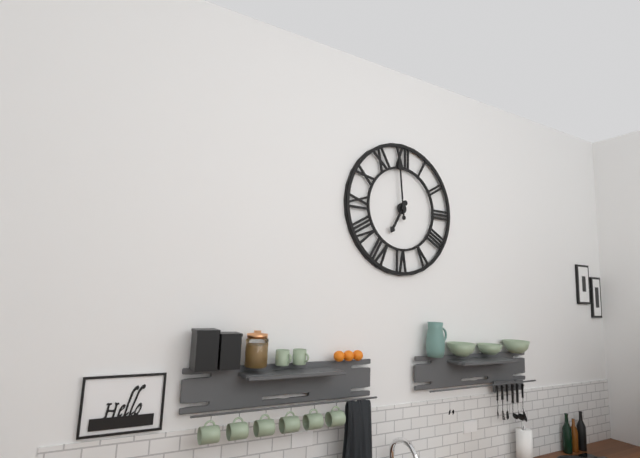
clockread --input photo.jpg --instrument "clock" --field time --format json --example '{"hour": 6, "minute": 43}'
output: {"hour": 6, "minute": 59}
